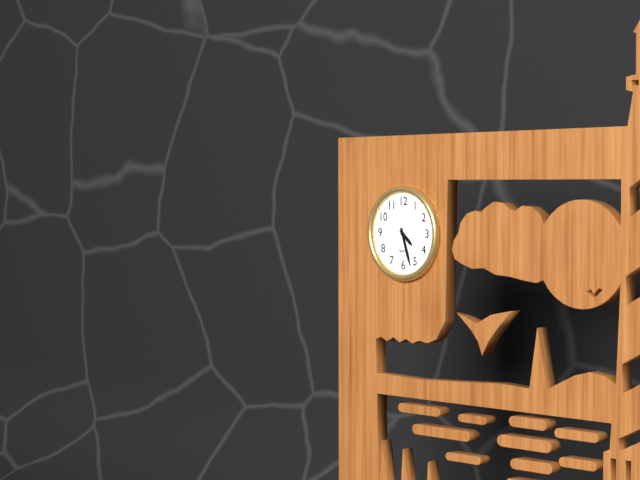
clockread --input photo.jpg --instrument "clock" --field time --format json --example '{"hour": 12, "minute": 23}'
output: {"hour": 4, "minute": 27}
